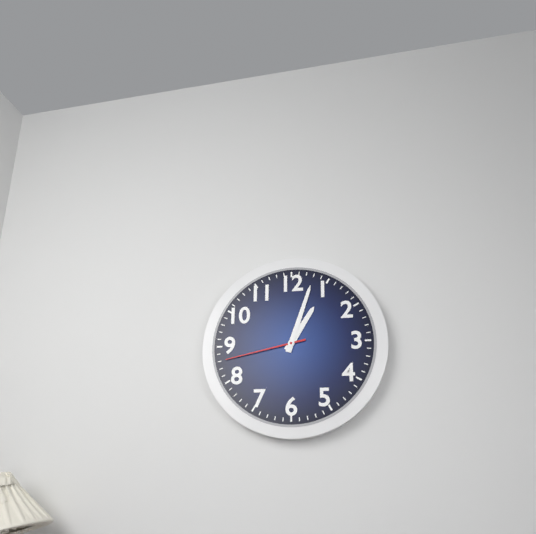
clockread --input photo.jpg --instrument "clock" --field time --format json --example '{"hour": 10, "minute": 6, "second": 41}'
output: {"hour": 1, "minute": 3, "second": 43}
